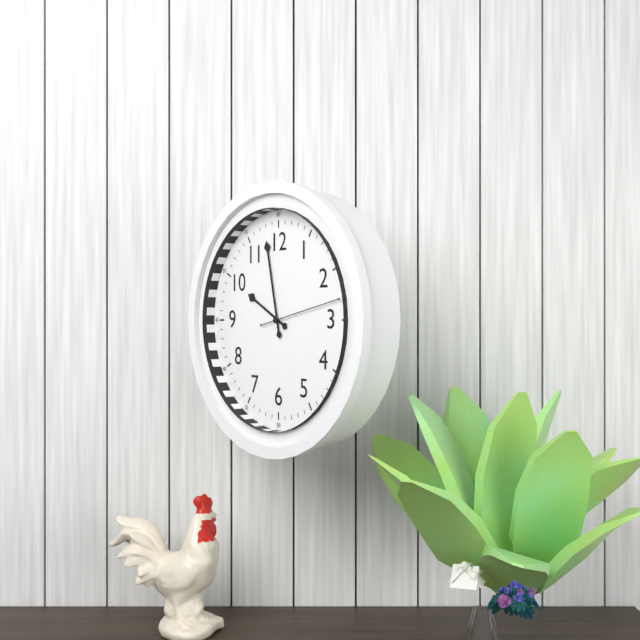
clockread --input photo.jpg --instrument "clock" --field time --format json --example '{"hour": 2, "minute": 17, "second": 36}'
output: {"hour": 9, "minute": 58, "second": 13}
